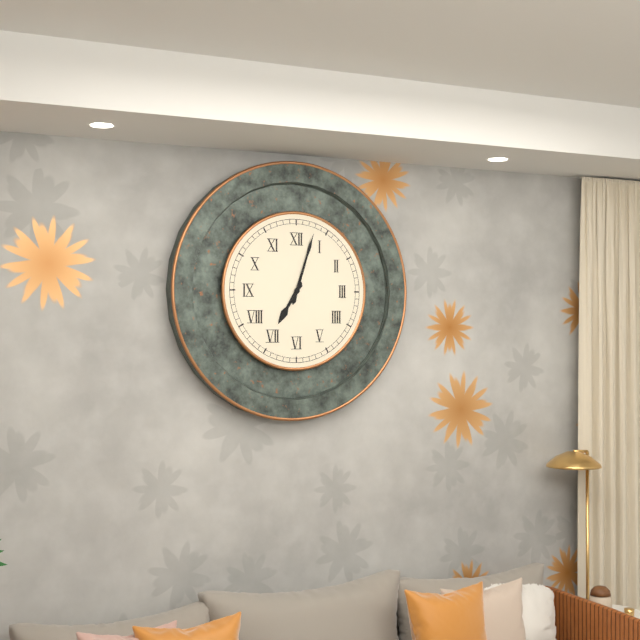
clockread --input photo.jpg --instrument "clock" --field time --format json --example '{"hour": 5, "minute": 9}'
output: {"hour": 7, "minute": 3}
